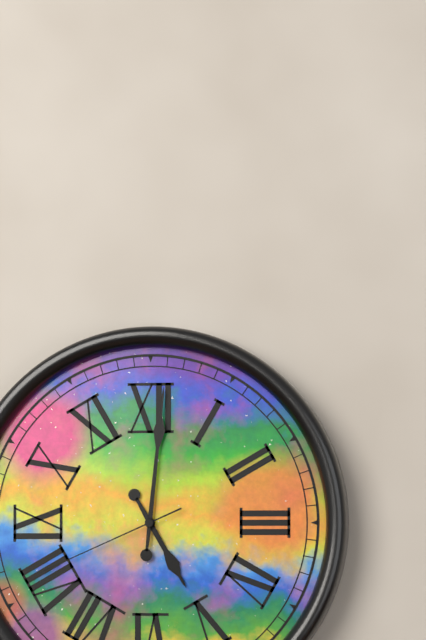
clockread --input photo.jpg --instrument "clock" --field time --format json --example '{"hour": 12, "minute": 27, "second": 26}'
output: {"hour": 5, "minute": 1, "second": 41}
